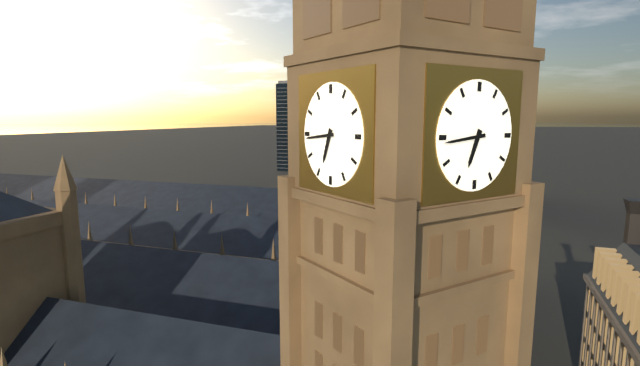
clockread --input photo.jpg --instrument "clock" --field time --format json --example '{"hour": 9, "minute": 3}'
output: {"hour": 6, "minute": 44}
